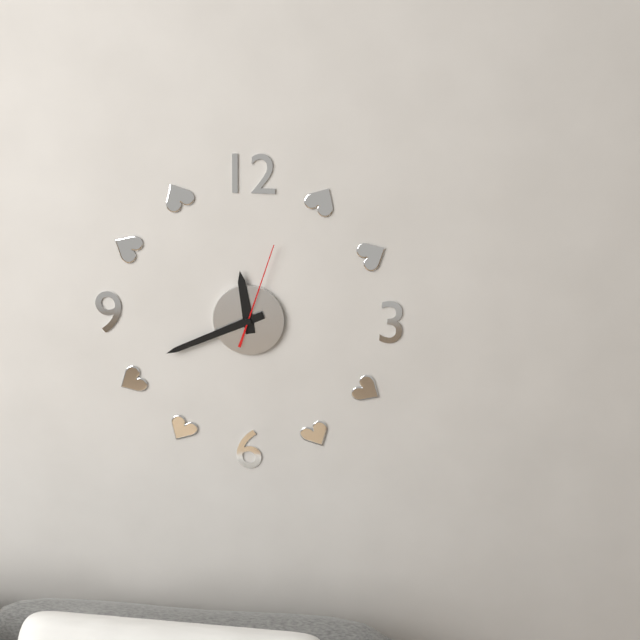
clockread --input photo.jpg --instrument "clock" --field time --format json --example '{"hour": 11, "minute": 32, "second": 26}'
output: {"hour": 11, "minute": 41, "second": 3}
